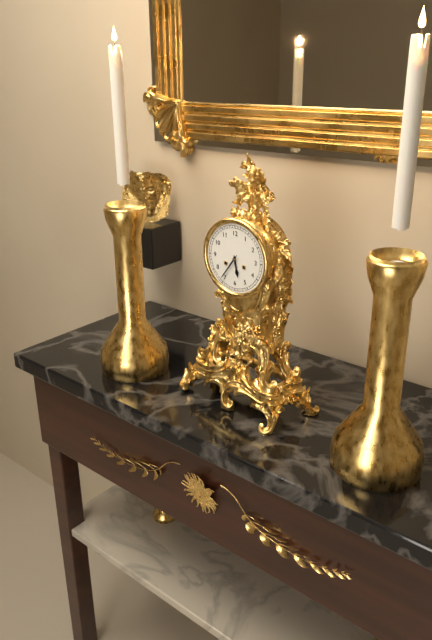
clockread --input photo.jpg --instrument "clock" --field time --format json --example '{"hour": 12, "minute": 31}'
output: {"hour": 5, "minute": 36}
